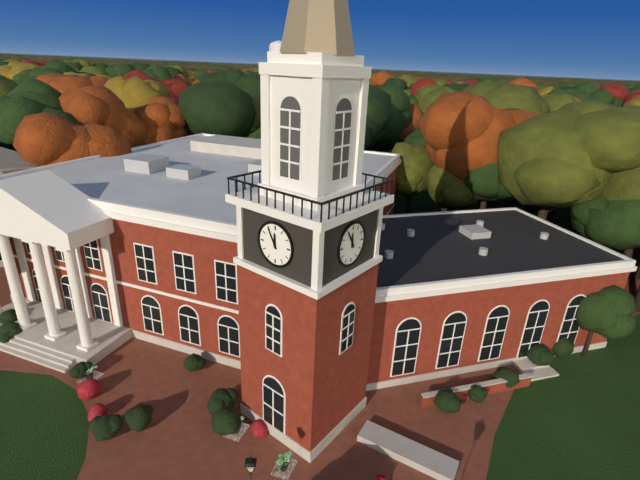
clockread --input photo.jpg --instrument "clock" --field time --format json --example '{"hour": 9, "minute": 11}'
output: {"hour": 11, "minute": 55}
